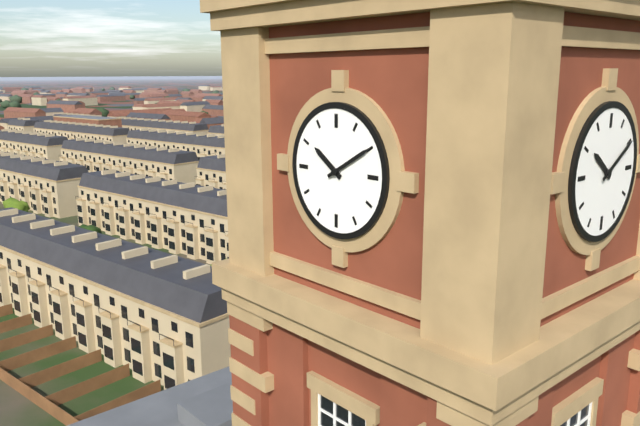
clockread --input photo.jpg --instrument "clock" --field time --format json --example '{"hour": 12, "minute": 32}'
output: {"hour": 10, "minute": 10}
